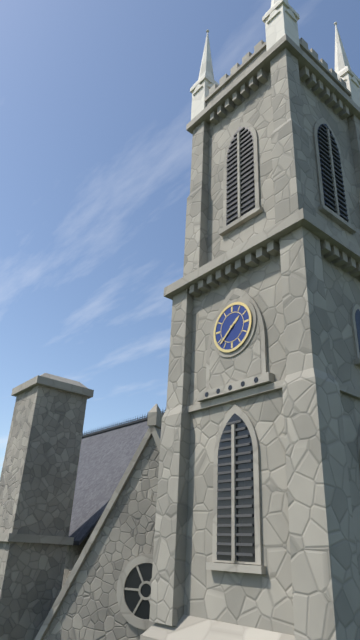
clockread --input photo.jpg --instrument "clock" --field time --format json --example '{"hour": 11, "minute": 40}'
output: {"hour": 1, "minute": 38}
